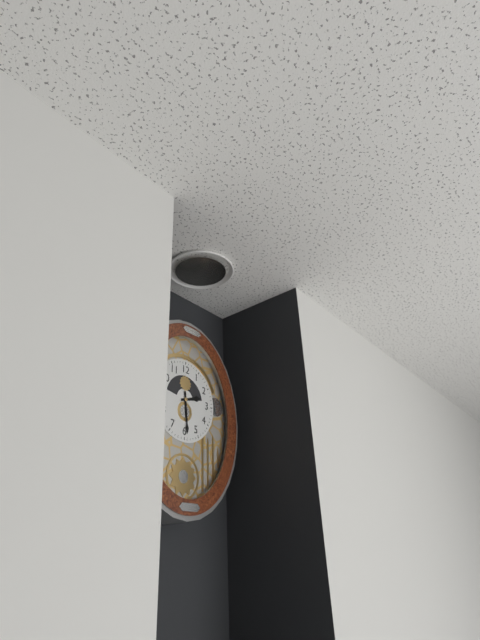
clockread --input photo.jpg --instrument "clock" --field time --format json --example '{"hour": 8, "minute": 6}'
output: {"hour": 2, "minute": 29}
